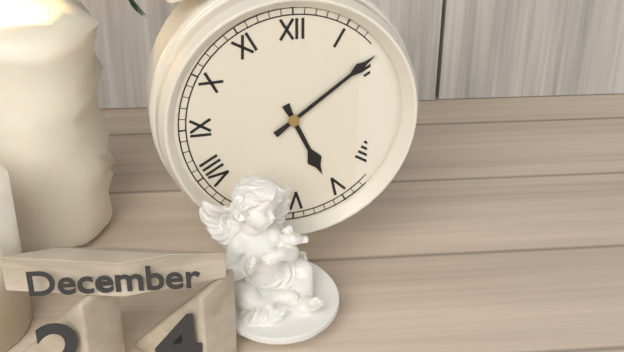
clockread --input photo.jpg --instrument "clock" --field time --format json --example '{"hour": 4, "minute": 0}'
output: {"hour": 5, "minute": 9}
